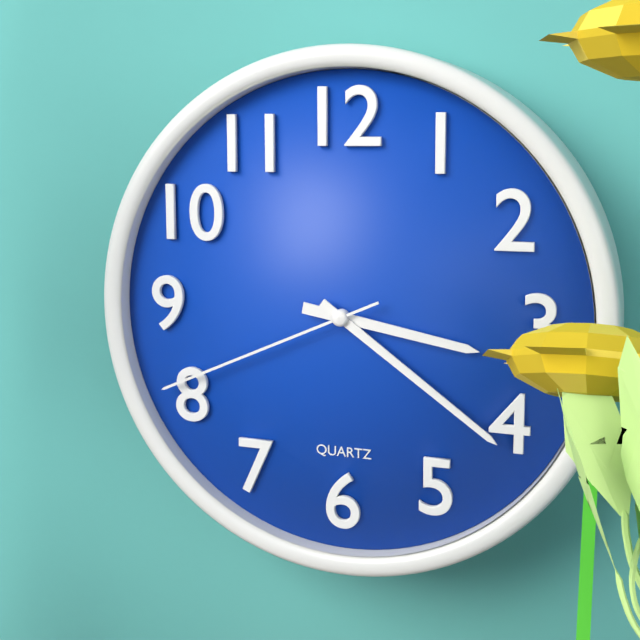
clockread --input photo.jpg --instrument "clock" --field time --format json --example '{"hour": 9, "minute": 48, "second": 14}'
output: {"hour": 3, "minute": 21, "second": 41}
